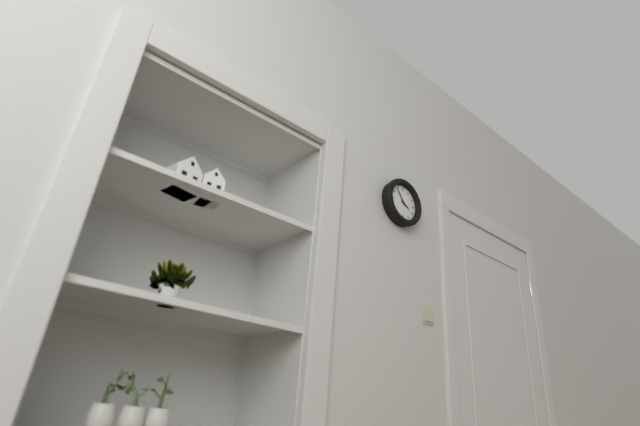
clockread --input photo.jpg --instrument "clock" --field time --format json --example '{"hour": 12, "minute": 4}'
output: {"hour": 3, "minute": 54}
